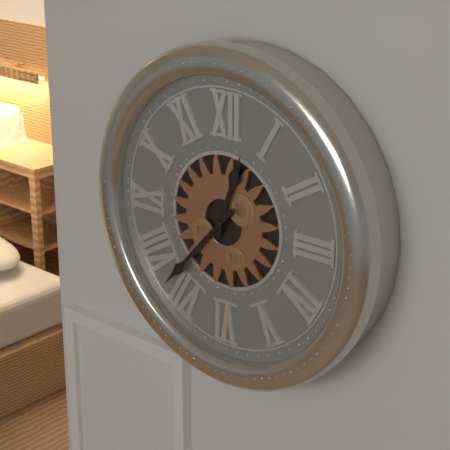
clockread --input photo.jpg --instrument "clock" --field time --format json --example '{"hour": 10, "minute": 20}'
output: {"hour": 12, "minute": 37}
